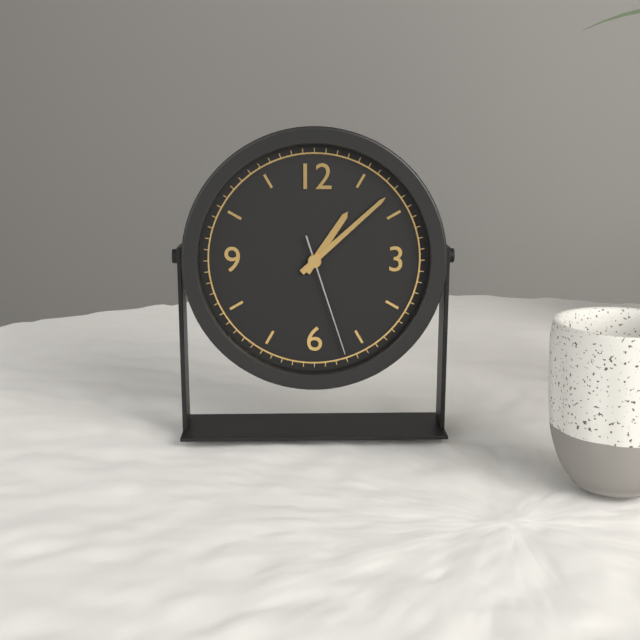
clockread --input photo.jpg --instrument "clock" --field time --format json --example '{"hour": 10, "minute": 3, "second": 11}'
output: {"hour": 1, "minute": 8, "second": 27}
